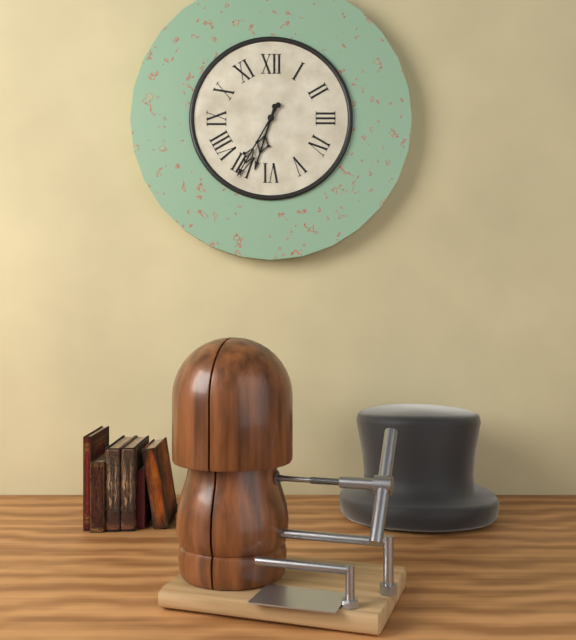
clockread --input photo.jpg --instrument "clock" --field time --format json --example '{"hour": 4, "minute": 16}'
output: {"hour": 6, "minute": 35}
